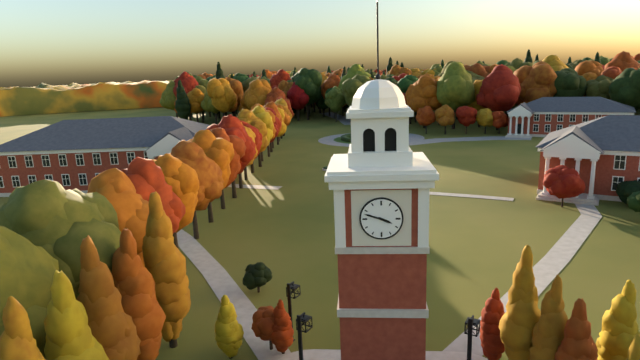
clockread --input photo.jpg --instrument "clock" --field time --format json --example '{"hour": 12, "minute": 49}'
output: {"hour": 3, "minute": 48}
